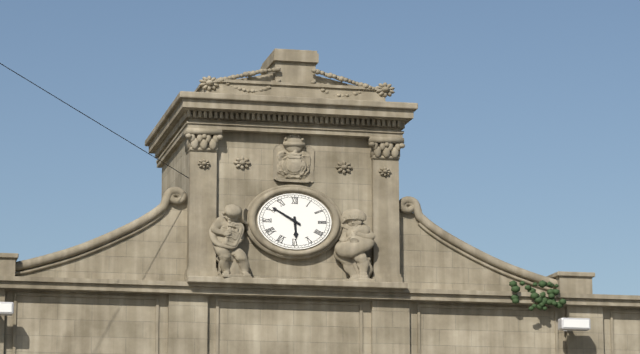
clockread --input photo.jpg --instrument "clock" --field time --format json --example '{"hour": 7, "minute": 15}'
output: {"hour": 5, "minute": 50}
